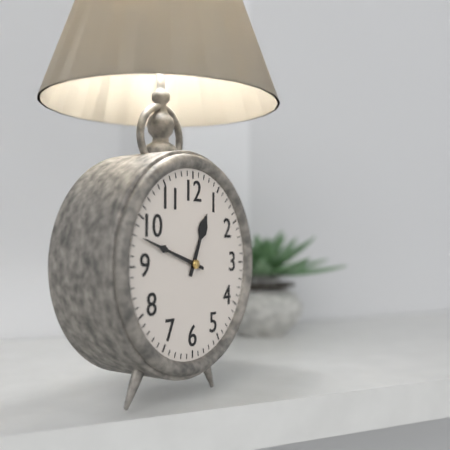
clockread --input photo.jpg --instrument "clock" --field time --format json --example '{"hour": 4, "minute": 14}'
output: {"hour": 12, "minute": 48}
